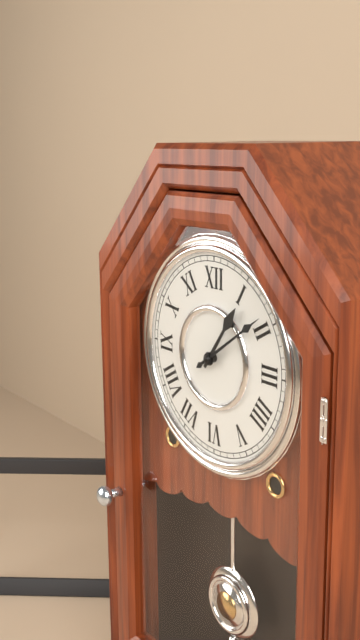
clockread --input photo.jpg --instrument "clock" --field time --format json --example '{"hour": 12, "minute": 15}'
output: {"hour": 1, "minute": 9}
